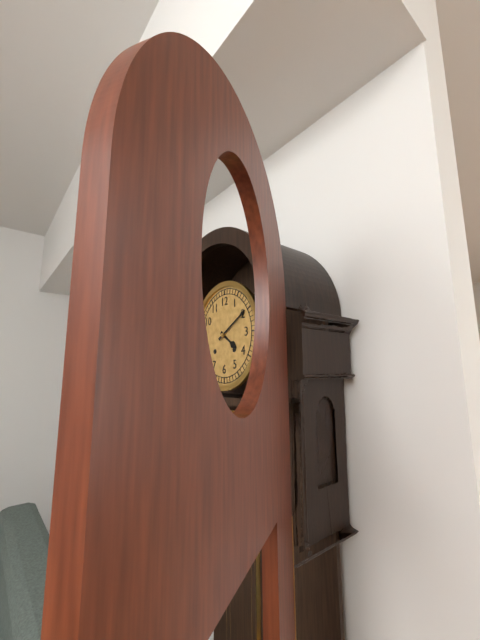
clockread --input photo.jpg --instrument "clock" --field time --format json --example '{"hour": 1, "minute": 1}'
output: {"hour": 4, "minute": 10}
